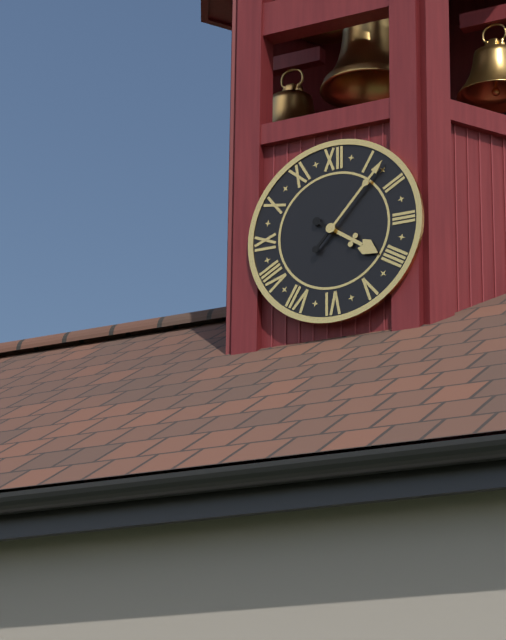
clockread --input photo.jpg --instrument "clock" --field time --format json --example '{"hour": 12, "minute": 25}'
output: {"hour": 4, "minute": 7}
